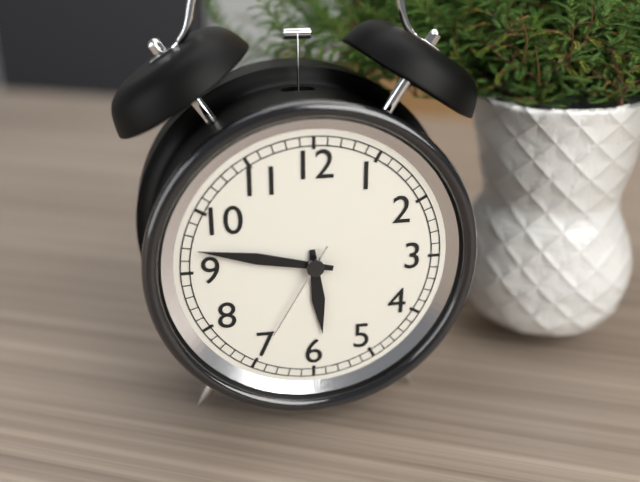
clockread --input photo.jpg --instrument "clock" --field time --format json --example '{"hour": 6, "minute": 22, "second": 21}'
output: {"hour": 5, "minute": 47, "second": 35}
